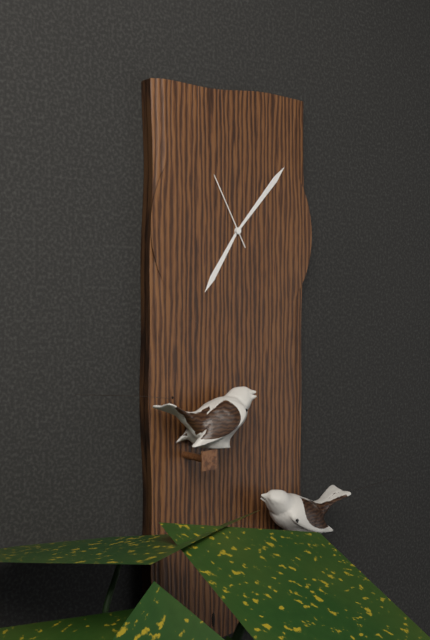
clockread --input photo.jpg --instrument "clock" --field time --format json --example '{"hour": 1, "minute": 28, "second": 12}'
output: {"hour": 7, "minute": 7, "second": 55}
